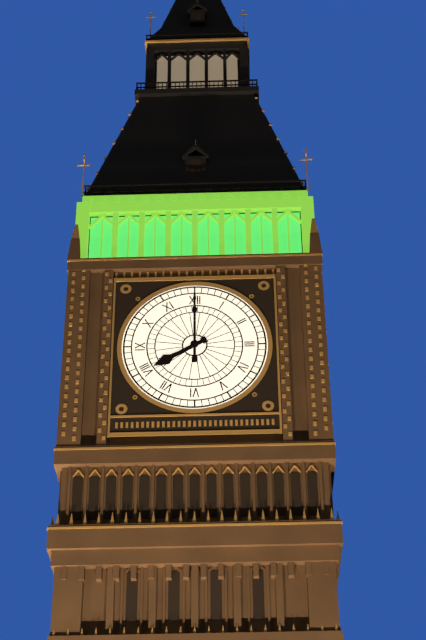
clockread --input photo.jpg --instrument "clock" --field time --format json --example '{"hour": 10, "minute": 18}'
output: {"hour": 8, "minute": 0}
